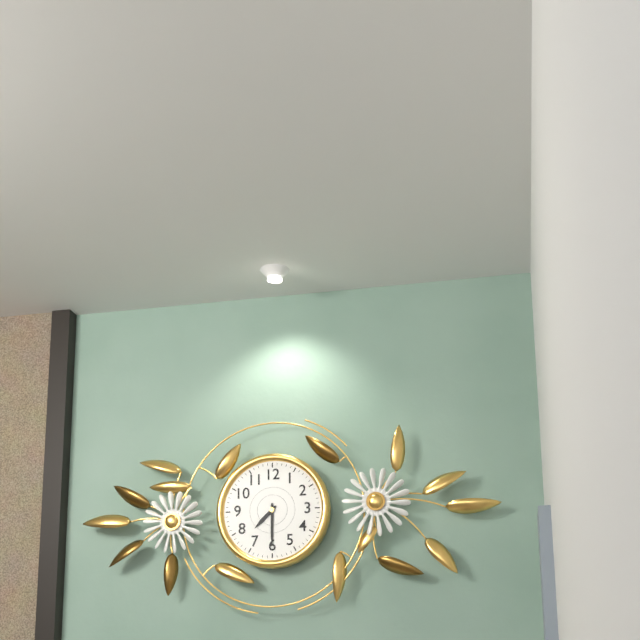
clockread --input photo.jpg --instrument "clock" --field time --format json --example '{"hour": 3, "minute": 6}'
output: {"hour": 7, "minute": 30}
